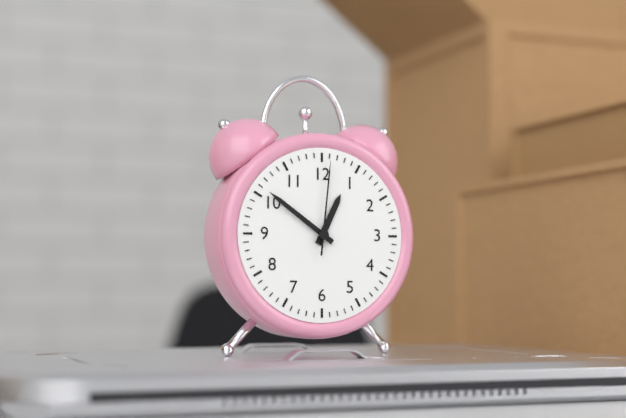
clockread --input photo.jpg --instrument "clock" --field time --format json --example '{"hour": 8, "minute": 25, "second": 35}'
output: {"hour": 12, "minute": 51, "second": 1}
